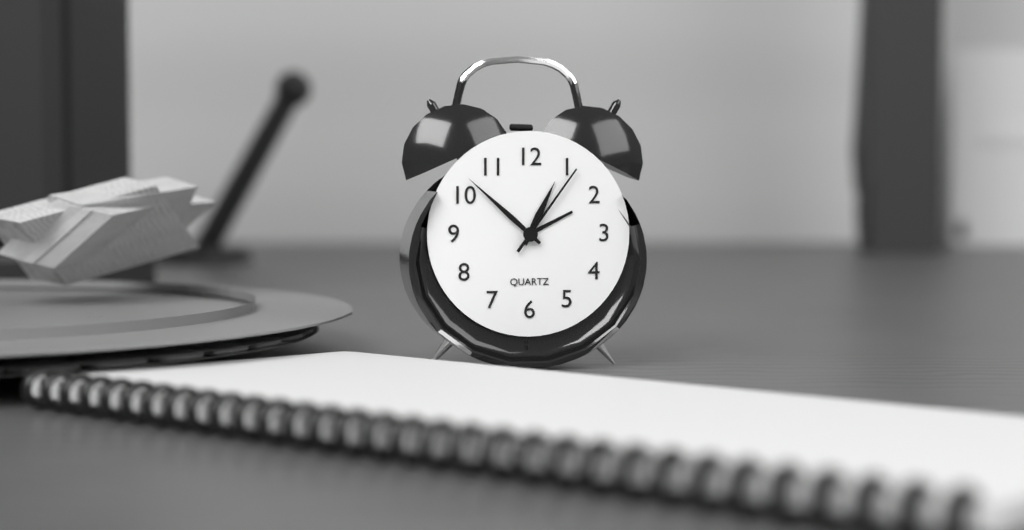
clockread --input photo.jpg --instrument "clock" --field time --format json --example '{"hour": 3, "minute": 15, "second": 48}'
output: {"hour": 12, "minute": 52, "second": 6}
